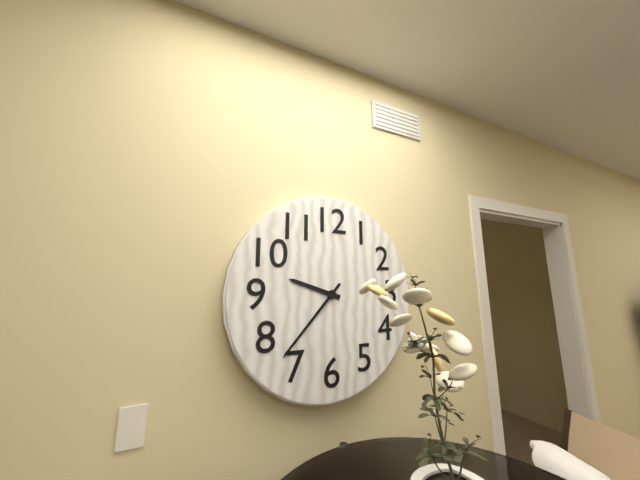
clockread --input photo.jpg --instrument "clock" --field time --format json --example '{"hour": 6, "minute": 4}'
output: {"hour": 9, "minute": 37}
